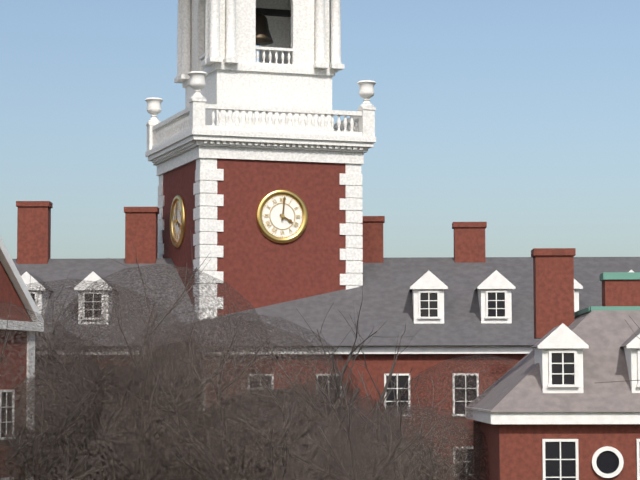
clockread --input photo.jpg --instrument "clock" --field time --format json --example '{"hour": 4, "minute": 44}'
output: {"hour": 4, "minute": 1}
